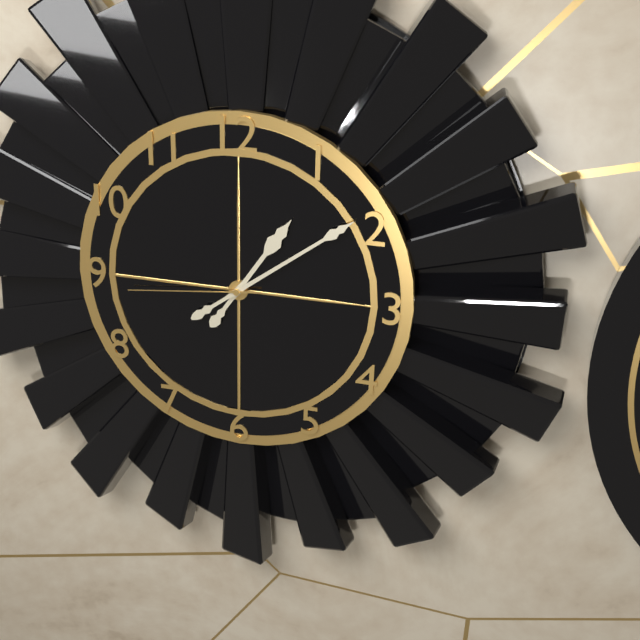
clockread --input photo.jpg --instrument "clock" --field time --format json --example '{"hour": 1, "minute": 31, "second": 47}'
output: {"hour": 1, "minute": 9, "second": 44}
